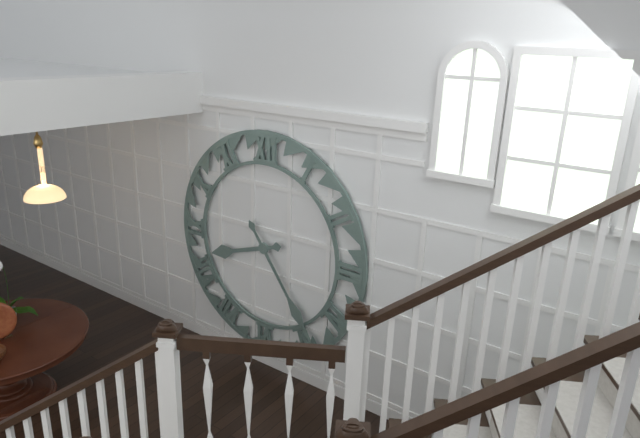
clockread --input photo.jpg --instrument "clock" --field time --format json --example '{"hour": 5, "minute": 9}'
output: {"hour": 8, "minute": 24}
